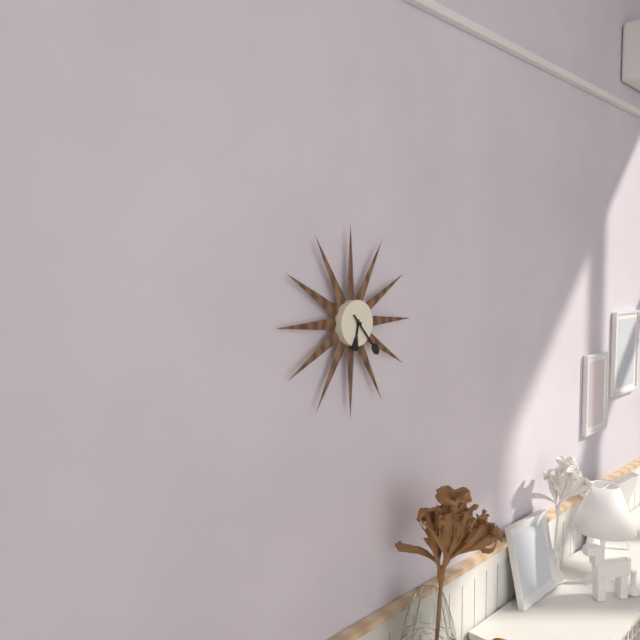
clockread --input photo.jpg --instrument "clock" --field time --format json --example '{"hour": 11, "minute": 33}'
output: {"hour": 6, "minute": 23}
